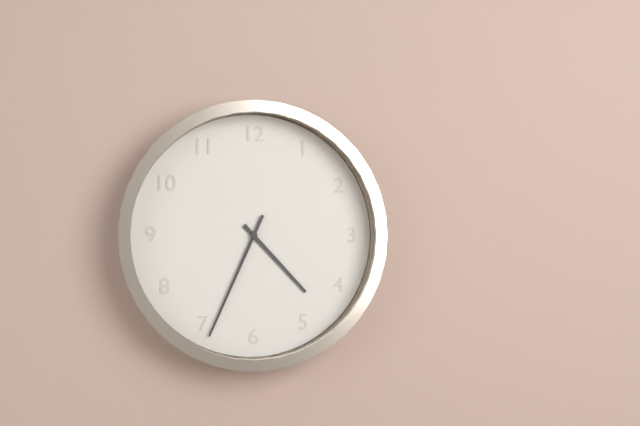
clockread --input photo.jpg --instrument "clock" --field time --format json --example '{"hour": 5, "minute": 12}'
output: {"hour": 4, "minute": 34}
